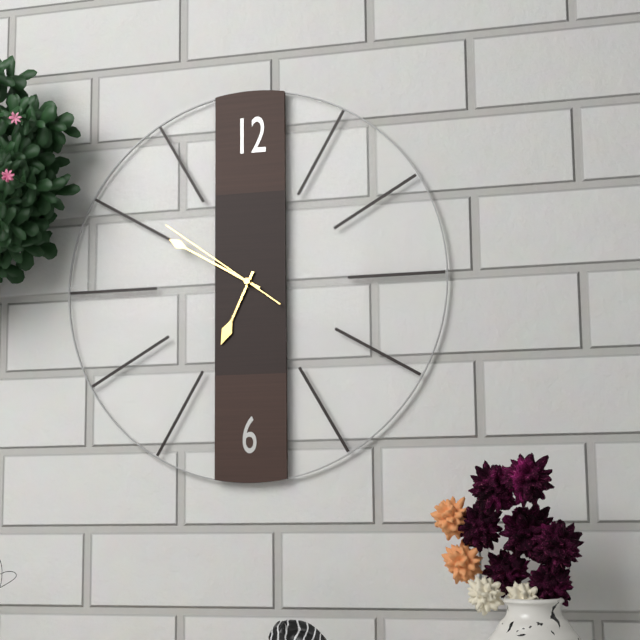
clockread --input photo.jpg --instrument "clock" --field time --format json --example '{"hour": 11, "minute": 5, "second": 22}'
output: {"hour": 6, "minute": 50, "second": 51}
